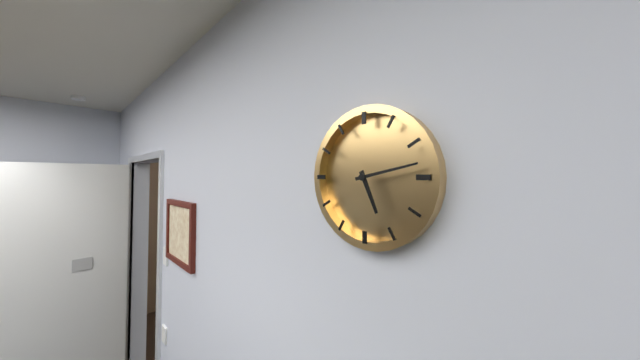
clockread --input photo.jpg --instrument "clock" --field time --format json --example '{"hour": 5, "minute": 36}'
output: {"hour": 5, "minute": 13}
